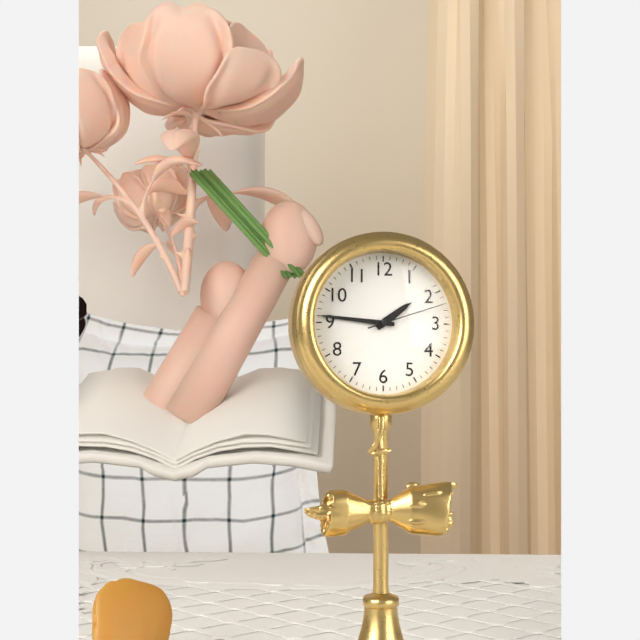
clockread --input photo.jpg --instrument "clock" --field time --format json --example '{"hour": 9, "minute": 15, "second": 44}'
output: {"hour": 1, "minute": 46, "second": 12}
